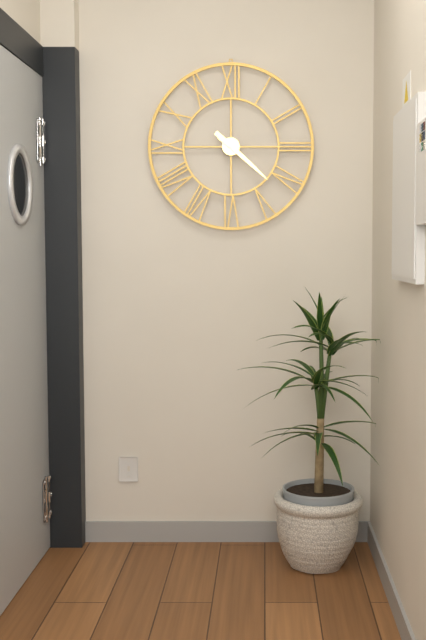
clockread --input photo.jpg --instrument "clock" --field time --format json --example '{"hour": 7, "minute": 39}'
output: {"hour": 4, "minute": 22}
